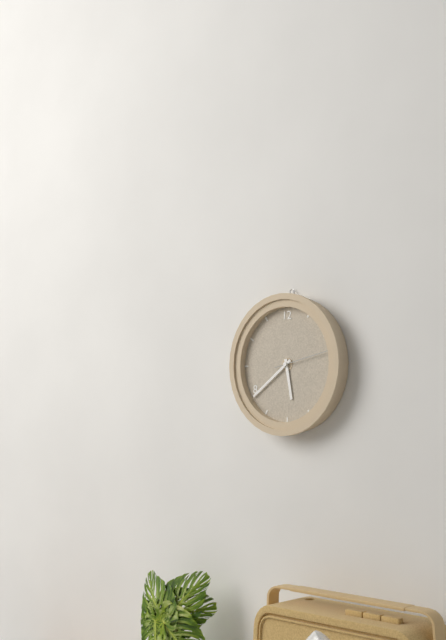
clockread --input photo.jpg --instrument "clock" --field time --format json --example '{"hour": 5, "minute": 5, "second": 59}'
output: {"hour": 5, "minute": 39, "second": 13}
